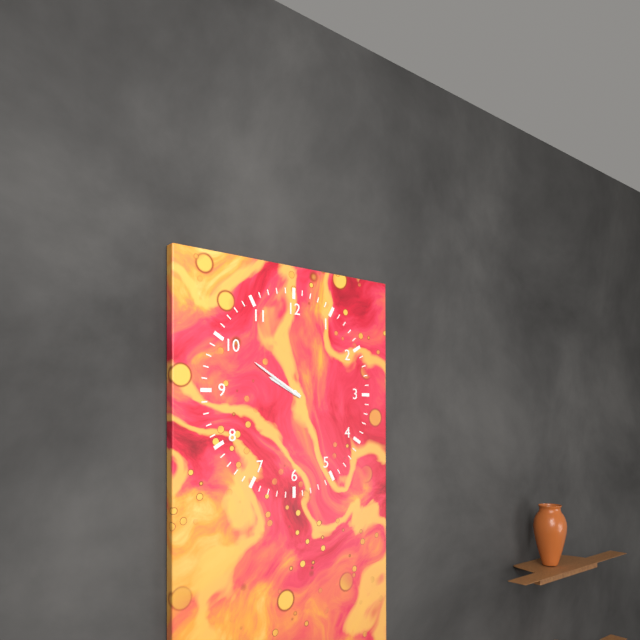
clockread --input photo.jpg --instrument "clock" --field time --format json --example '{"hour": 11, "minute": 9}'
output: {"hour": 9, "minute": 50}
